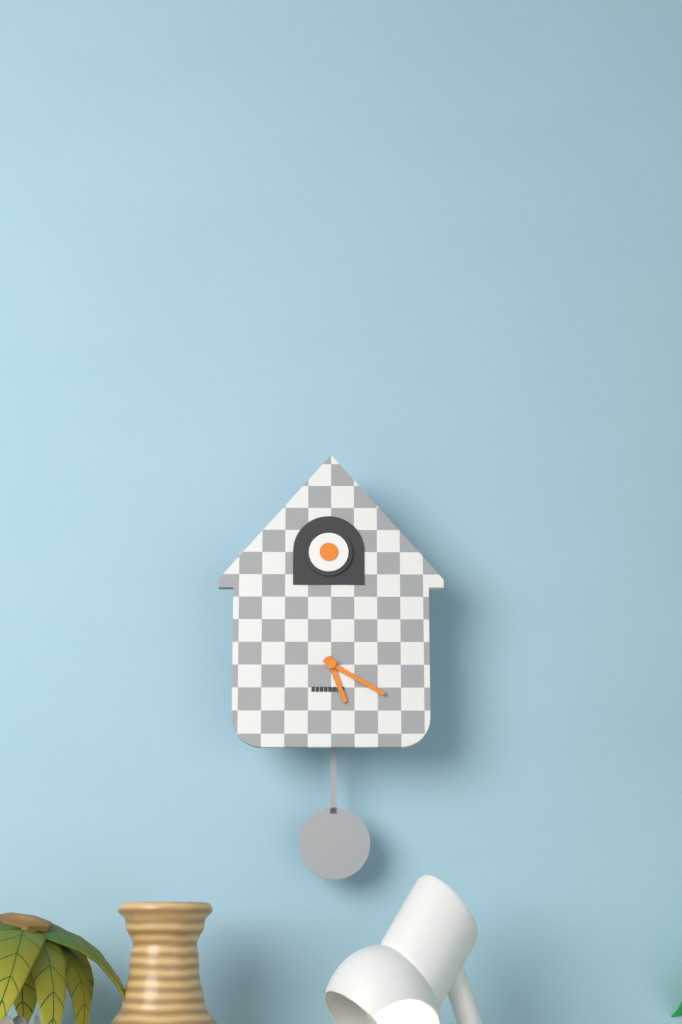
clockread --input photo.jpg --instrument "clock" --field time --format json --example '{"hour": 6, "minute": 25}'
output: {"hour": 5, "minute": 20}
